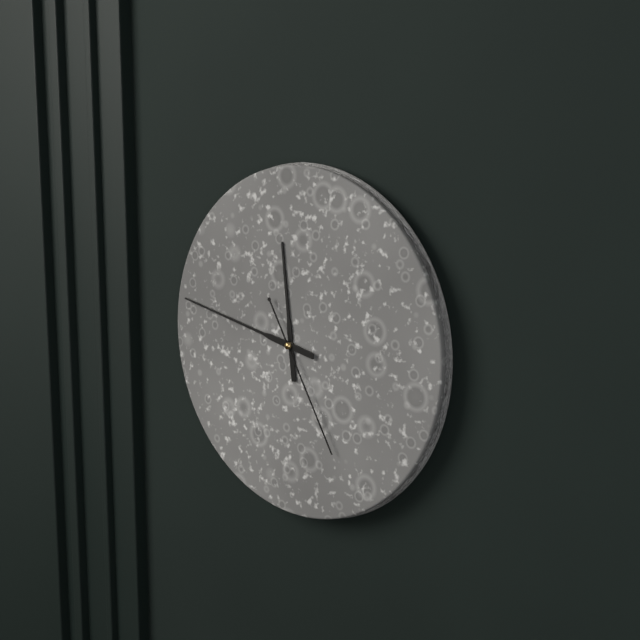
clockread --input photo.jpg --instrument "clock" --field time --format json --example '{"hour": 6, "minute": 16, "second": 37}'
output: {"hour": 11, "minute": 47, "second": 25}
